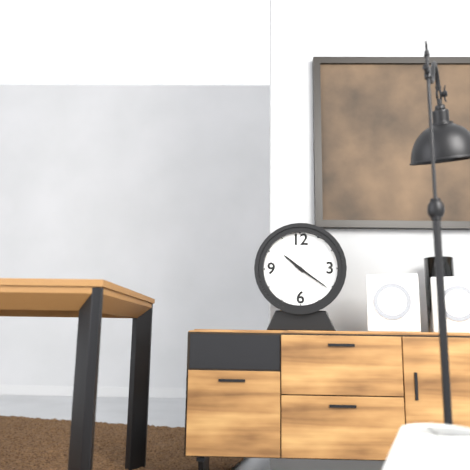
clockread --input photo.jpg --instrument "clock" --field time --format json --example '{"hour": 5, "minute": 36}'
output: {"hour": 10, "minute": 21}
